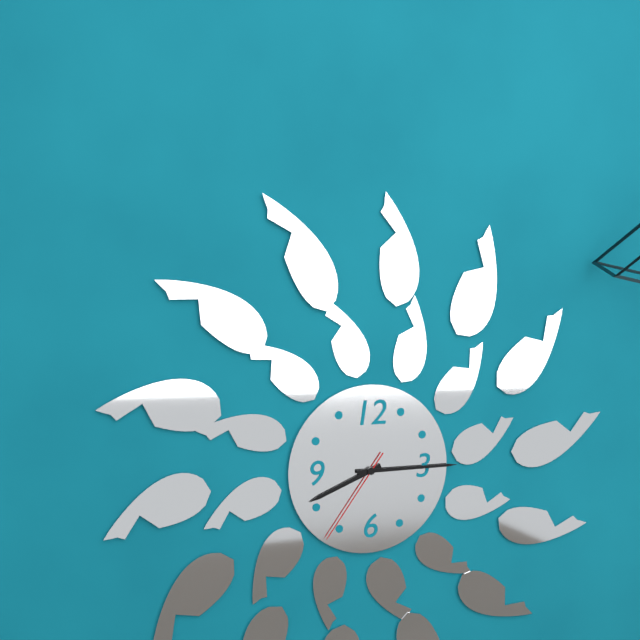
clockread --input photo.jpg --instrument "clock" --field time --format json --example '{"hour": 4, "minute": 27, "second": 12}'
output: {"hour": 8, "minute": 15, "second": 36}
